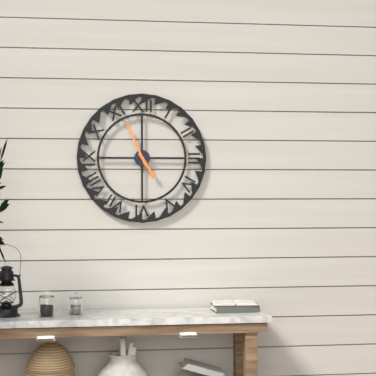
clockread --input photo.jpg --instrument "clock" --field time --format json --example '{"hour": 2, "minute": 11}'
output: {"hour": 4, "minute": 56}
